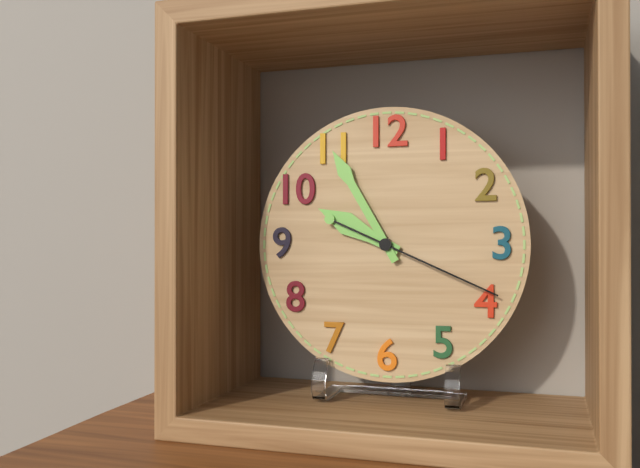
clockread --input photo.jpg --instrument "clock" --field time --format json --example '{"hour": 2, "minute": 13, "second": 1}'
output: {"hour": 9, "minute": 55, "second": 19}
